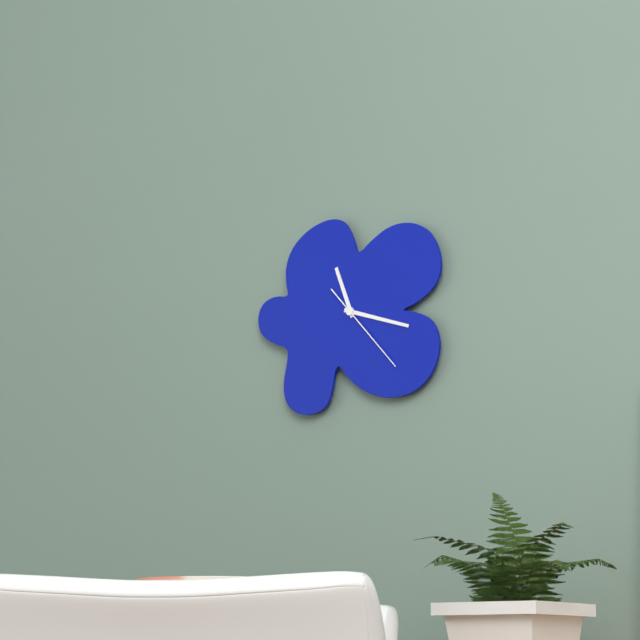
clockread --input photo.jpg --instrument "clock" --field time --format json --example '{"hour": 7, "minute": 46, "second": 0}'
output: {"hour": 11, "minute": 18, "second": 23}
